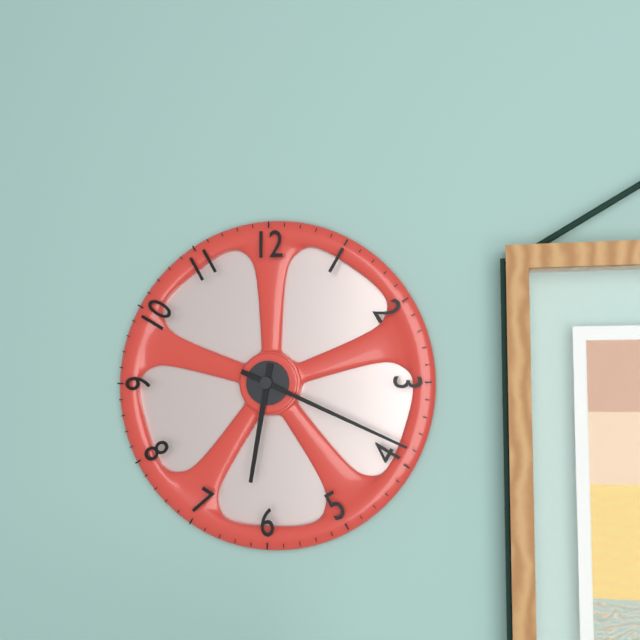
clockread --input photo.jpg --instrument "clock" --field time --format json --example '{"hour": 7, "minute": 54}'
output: {"hour": 6, "minute": 19}
